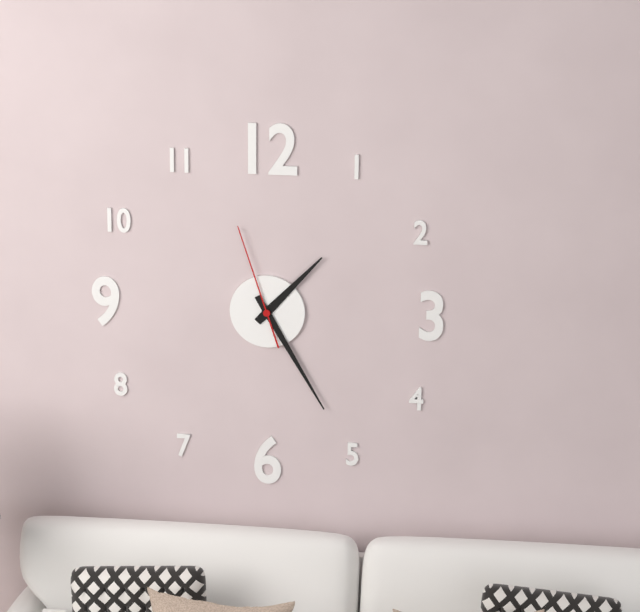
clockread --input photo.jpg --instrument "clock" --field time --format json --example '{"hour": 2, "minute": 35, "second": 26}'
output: {"hour": 1, "minute": 25, "second": 57}
